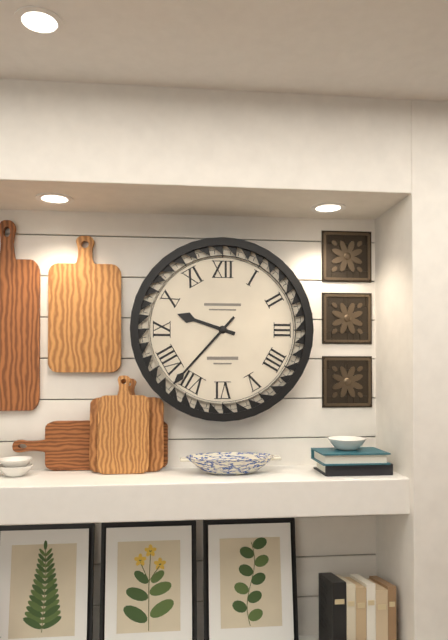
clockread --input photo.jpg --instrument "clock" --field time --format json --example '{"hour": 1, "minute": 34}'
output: {"hour": 9, "minute": 37}
